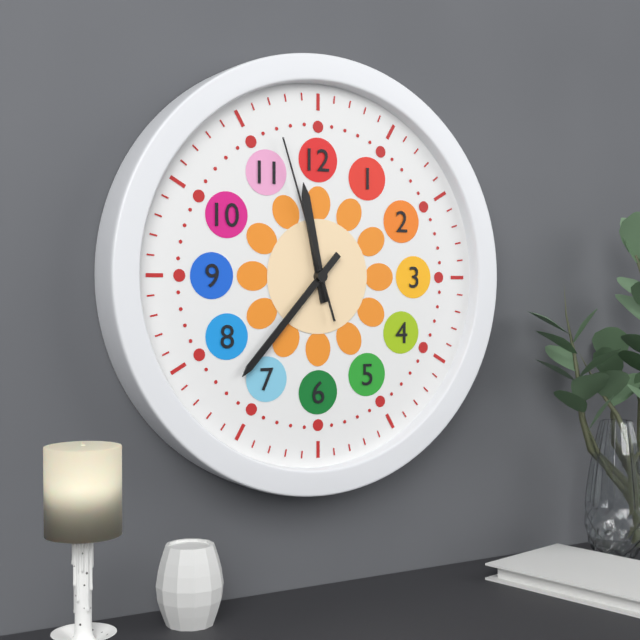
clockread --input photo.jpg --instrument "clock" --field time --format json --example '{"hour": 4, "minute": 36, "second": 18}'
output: {"hour": 11, "minute": 37, "second": 57}
